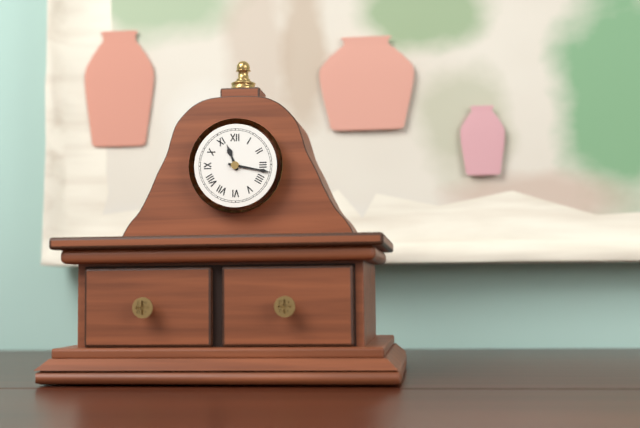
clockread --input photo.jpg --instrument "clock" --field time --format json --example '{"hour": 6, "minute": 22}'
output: {"hour": 11, "minute": 17}
